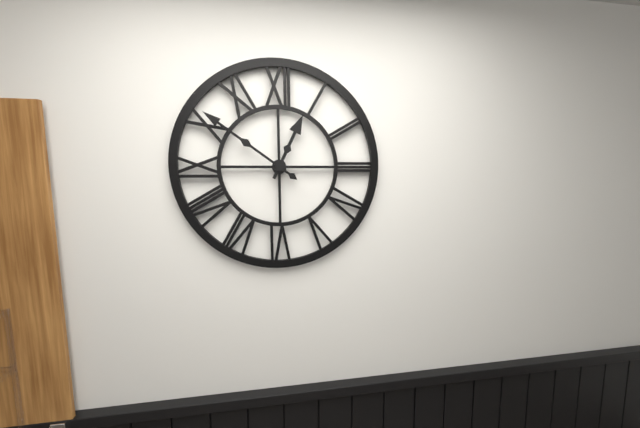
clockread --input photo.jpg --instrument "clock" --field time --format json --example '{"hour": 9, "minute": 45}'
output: {"hour": 12, "minute": 51}
